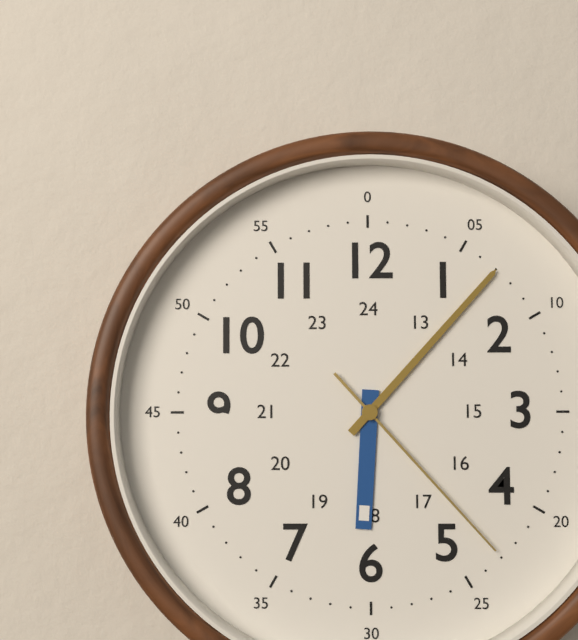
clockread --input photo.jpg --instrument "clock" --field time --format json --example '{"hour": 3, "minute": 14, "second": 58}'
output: {"hour": 6, "minute": 7, "second": 23}
